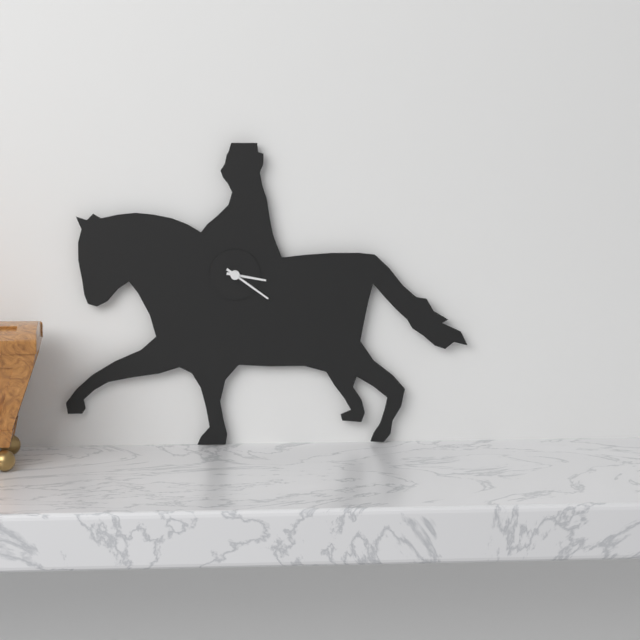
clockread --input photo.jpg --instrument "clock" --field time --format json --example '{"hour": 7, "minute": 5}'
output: {"hour": 3, "minute": 21}
